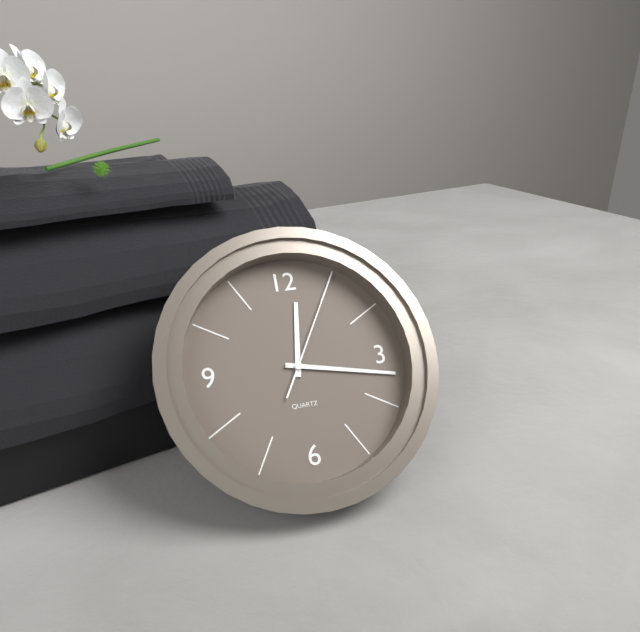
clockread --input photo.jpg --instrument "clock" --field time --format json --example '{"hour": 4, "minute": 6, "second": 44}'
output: {"hour": 12, "minute": 17, "second": 5}
